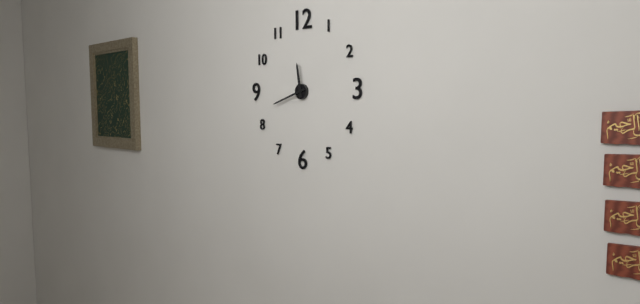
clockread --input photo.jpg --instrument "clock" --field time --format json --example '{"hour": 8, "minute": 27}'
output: {"hour": 11, "minute": 42}
